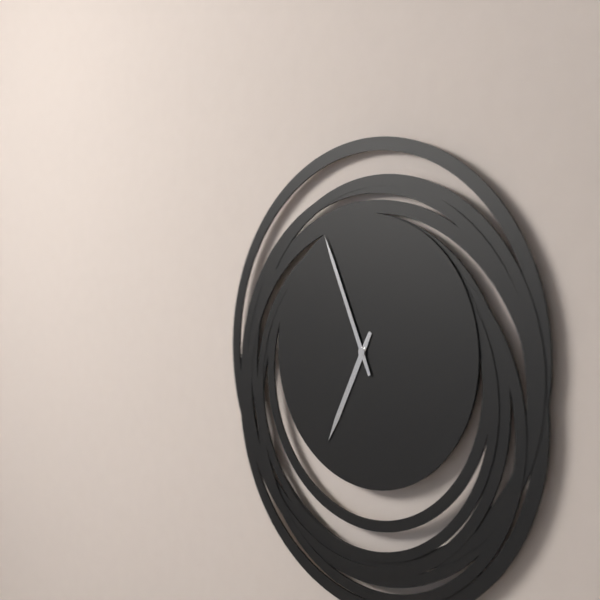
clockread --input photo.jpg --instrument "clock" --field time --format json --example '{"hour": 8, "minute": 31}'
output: {"hour": 6, "minute": 56}
